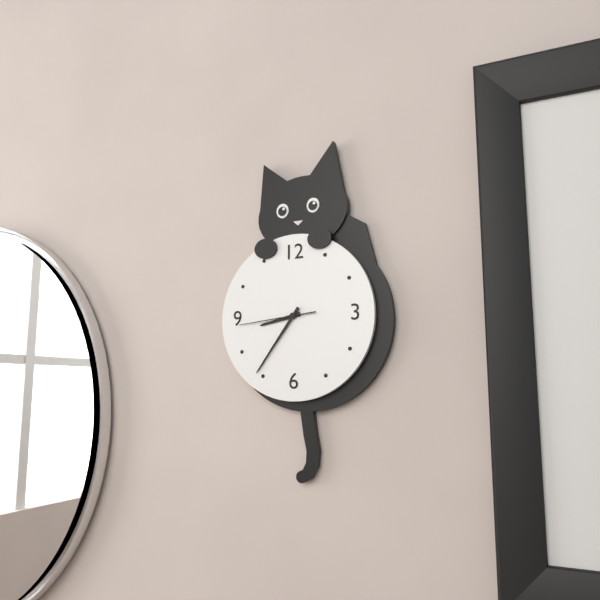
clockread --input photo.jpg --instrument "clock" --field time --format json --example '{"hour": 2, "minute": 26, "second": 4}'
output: {"hour": 8, "minute": 36, "second": 44}
